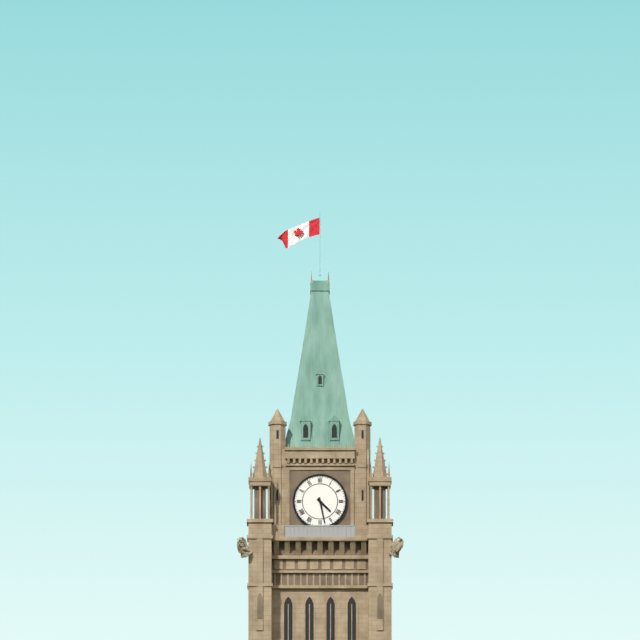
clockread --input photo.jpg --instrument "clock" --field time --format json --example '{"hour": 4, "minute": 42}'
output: {"hour": 4, "minute": 28}
